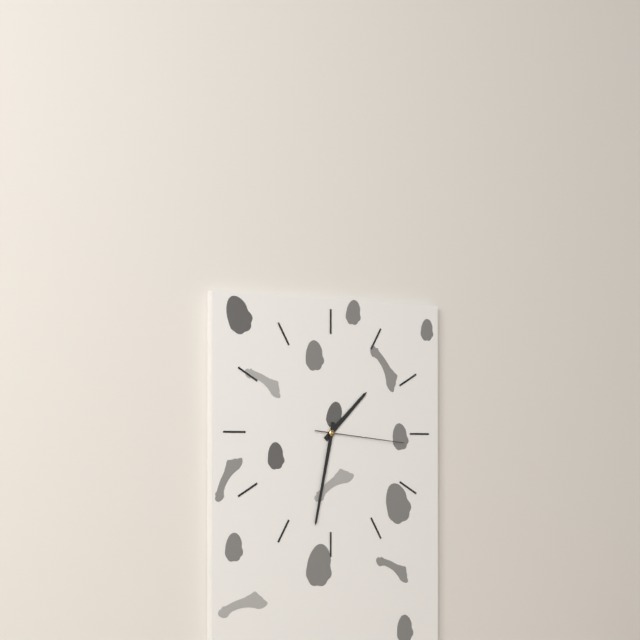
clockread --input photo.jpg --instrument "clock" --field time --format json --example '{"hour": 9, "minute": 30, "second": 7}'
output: {"hour": 1, "minute": 32, "second": 16}
